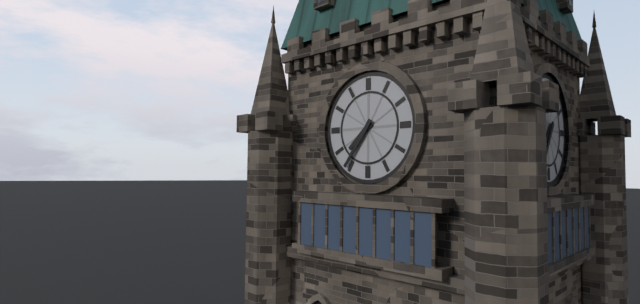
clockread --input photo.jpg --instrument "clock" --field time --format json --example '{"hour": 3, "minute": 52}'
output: {"hour": 7, "minute": 36}
